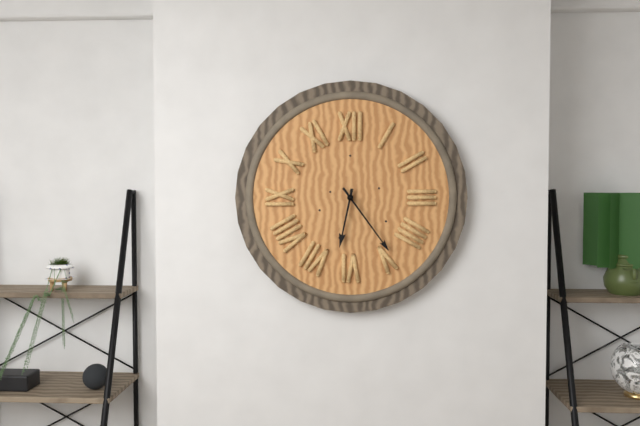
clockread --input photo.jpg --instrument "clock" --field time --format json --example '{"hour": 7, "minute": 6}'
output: {"hour": 6, "minute": 24}
